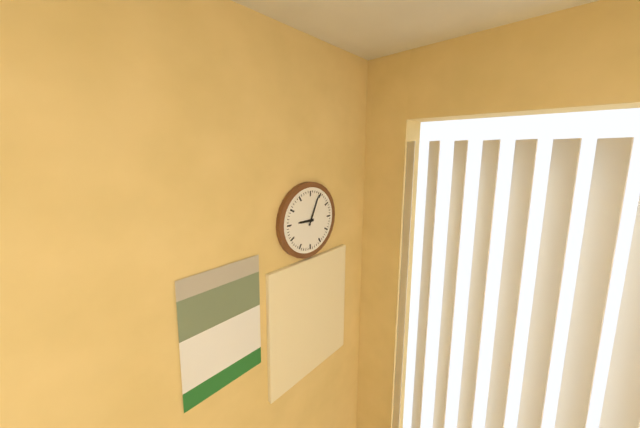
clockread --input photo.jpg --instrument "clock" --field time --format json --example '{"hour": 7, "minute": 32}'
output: {"hour": 9, "minute": 4}
